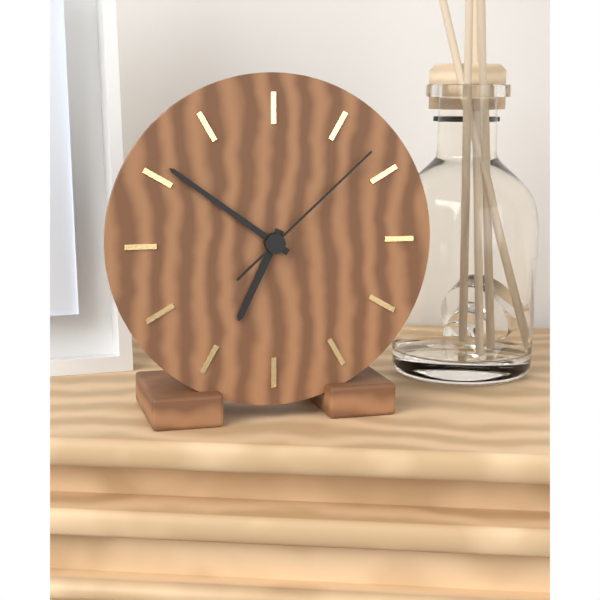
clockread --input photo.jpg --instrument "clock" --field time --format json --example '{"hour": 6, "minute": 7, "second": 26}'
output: {"hour": 6, "minute": 51, "second": 8}
